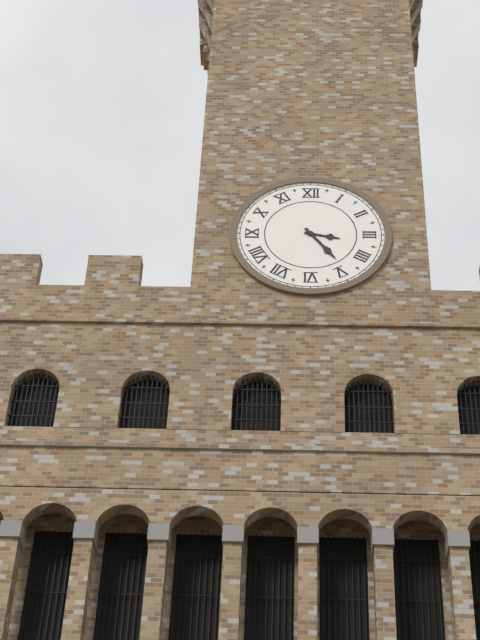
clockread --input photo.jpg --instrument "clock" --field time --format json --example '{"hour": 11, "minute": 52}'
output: {"hour": 3, "minute": 24}
